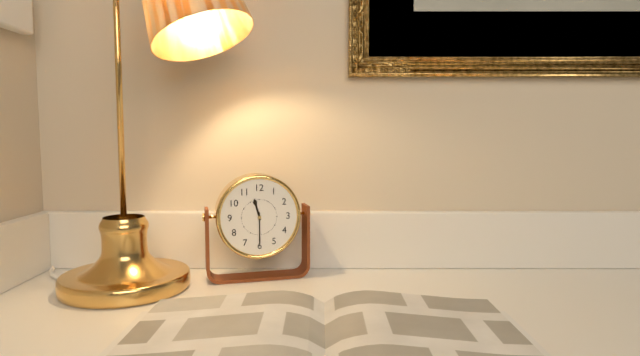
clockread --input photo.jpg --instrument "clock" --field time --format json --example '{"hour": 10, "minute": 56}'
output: {"hour": 11, "minute": 30}
